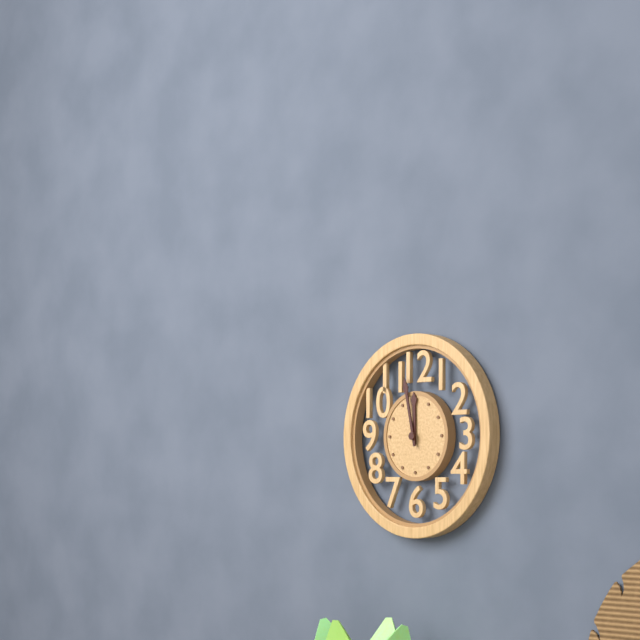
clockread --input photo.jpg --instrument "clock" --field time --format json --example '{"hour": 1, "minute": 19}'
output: {"hour": 11, "minute": 58}
